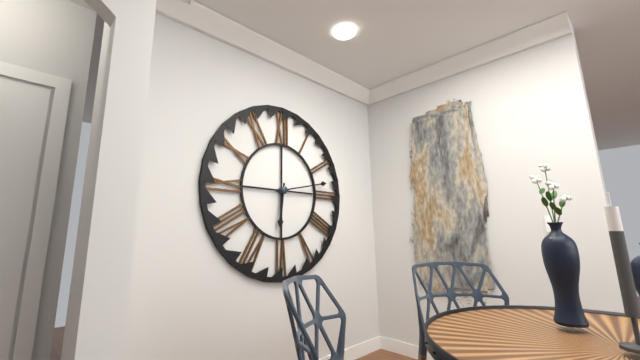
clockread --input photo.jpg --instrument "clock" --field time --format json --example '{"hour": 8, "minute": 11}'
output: {"hour": 6, "minute": 13}
